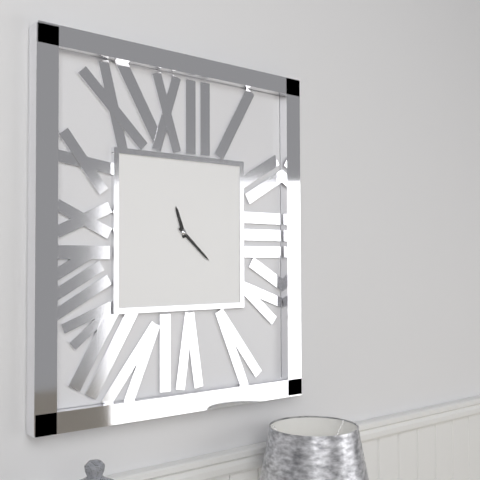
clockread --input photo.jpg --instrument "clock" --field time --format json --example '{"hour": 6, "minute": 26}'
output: {"hour": 11, "minute": 22}
